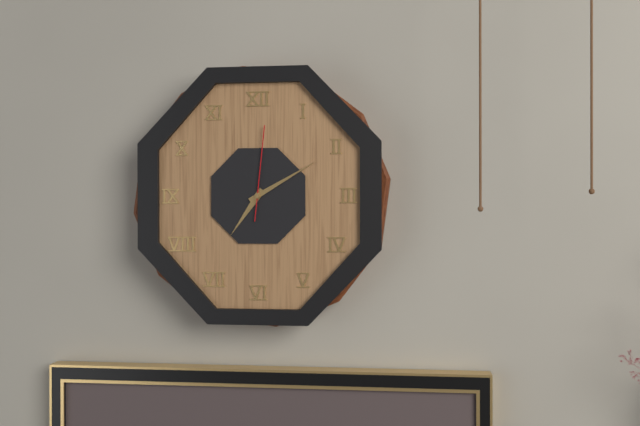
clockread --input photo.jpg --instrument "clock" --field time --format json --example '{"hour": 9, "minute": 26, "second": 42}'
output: {"hour": 7, "minute": 10, "second": 1}
